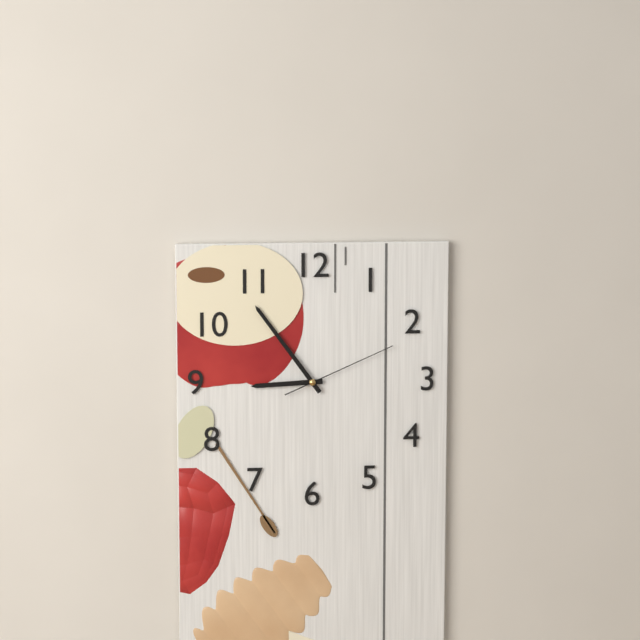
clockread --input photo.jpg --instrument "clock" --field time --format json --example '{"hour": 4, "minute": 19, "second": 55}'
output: {"hour": 8, "minute": 54, "second": 11}
